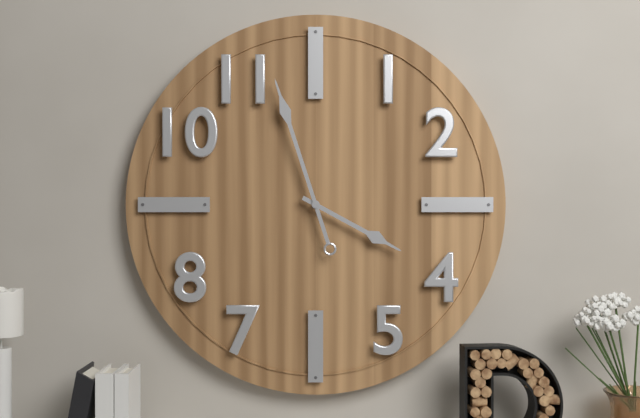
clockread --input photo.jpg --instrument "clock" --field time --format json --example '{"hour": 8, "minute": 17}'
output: {"hour": 3, "minute": 57}
